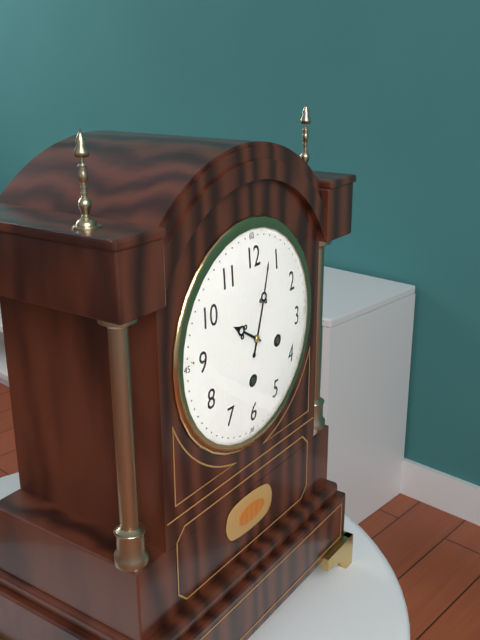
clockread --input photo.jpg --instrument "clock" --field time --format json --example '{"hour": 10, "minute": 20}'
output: {"hour": 10, "minute": 3}
